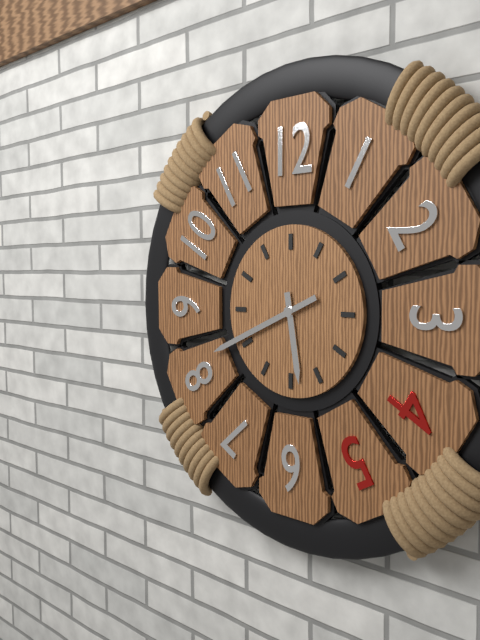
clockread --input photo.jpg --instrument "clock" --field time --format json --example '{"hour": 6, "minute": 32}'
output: {"hour": 5, "minute": 41}
